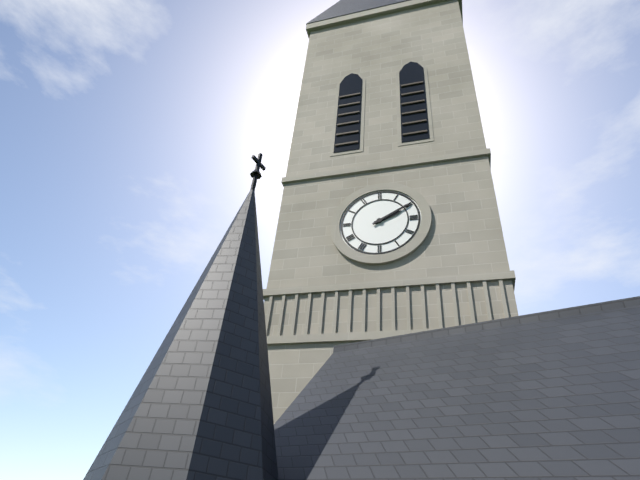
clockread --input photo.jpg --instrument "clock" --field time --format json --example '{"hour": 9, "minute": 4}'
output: {"hour": 2, "minute": 10}
